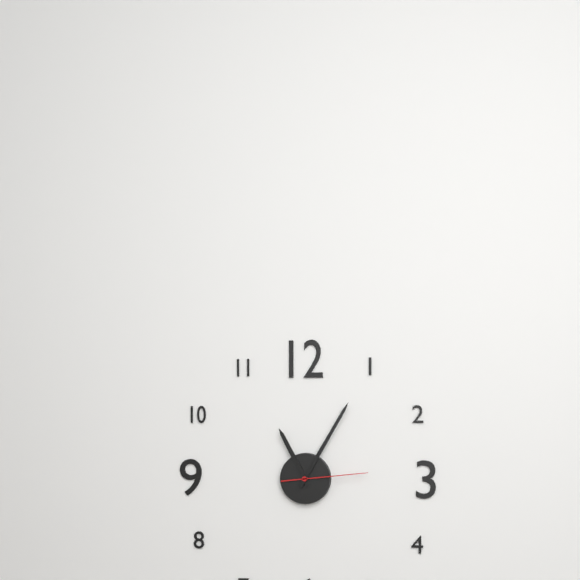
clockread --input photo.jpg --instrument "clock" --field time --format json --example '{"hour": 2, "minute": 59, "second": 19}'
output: {"hour": 11, "minute": 5, "second": 14}
